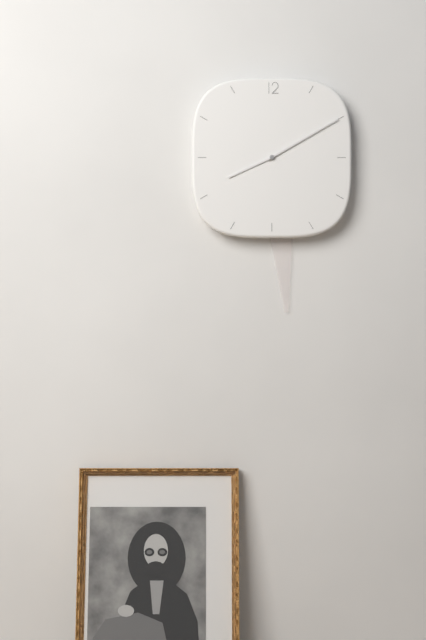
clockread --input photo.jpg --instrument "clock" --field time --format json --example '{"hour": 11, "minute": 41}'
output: {"hour": 8, "minute": 10}
